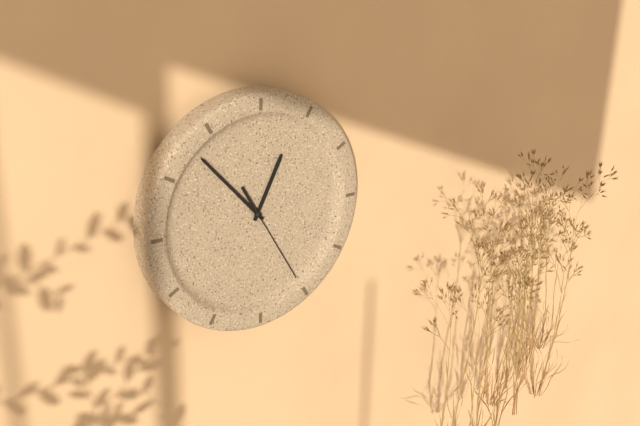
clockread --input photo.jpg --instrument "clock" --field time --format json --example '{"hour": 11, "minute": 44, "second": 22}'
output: {"hour": 12, "minute": 53, "second": 25}
